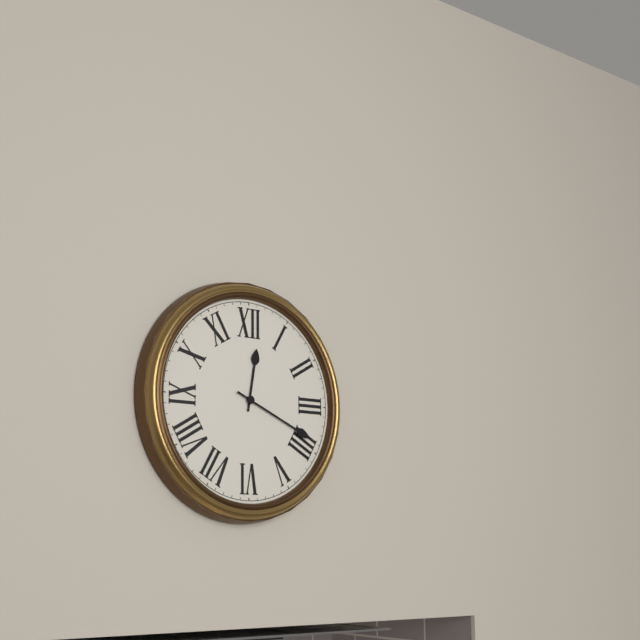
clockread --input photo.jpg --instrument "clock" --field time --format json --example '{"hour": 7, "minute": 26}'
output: {"hour": 12, "minute": 19}
